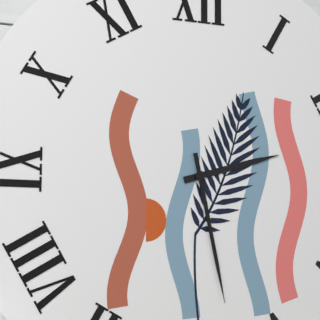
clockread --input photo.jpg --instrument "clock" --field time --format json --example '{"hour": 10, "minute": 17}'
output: {"hour": 2, "minute": 28}
